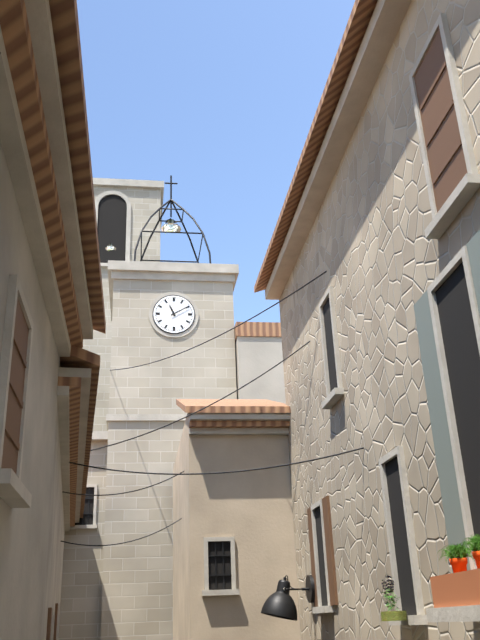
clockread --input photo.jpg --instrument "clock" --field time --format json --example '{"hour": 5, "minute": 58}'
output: {"hour": 11, "minute": 10}
